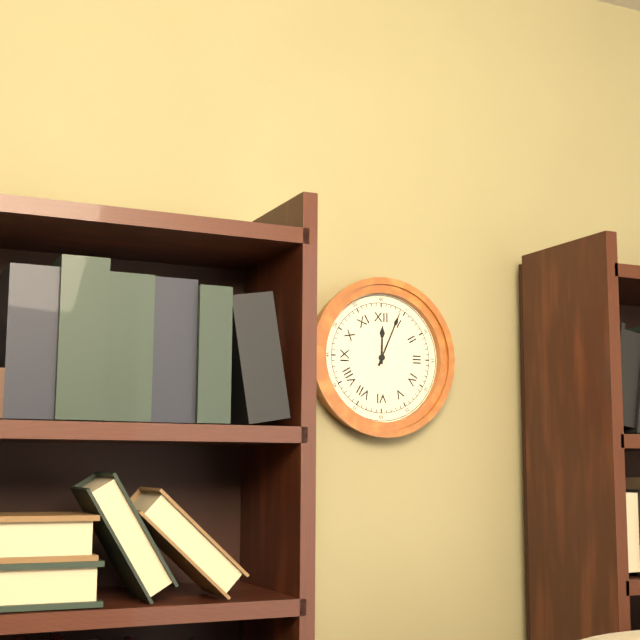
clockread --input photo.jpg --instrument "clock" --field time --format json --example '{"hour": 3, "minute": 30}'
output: {"hour": 12, "minute": 4}
